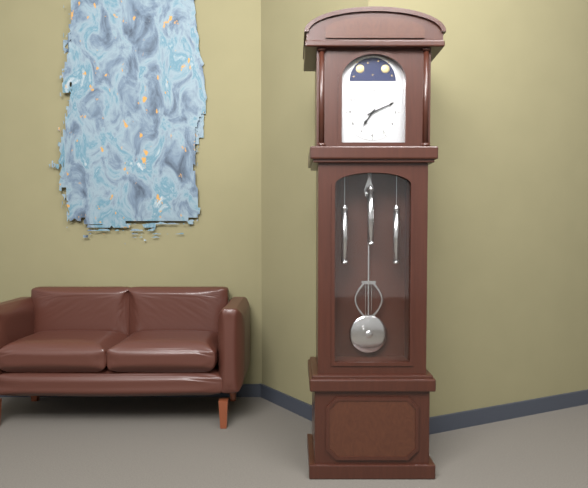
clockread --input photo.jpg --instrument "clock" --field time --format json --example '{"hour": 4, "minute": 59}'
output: {"hour": 7, "minute": 11}
